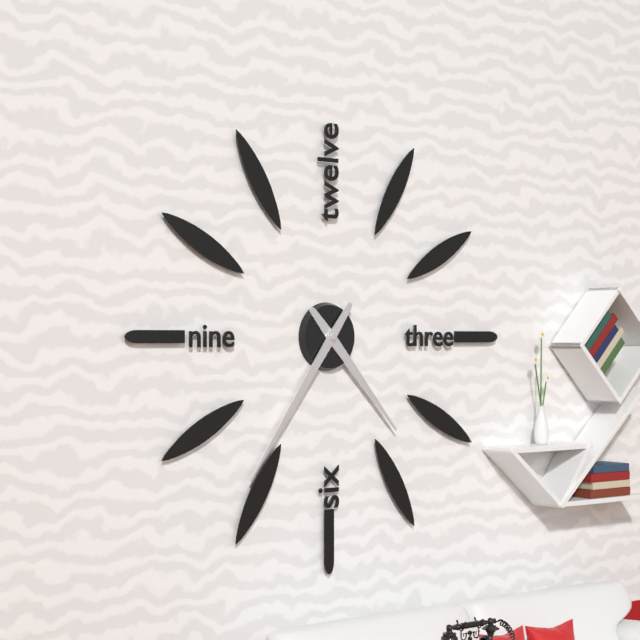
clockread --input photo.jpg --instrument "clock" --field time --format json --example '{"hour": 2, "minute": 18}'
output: {"hour": 4, "minute": 36}
